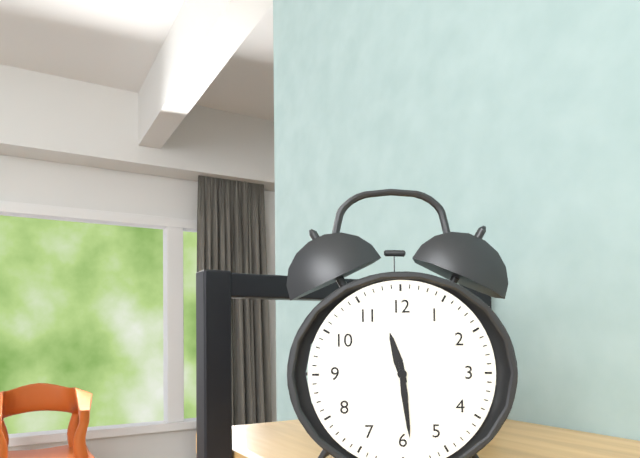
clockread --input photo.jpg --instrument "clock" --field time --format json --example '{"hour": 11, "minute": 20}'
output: {"hour": 11, "minute": 29}
